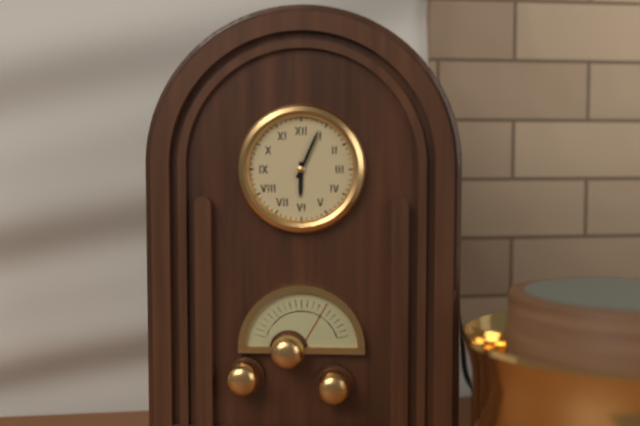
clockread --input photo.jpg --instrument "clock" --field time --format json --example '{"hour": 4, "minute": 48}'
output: {"hour": 6, "minute": 4}
